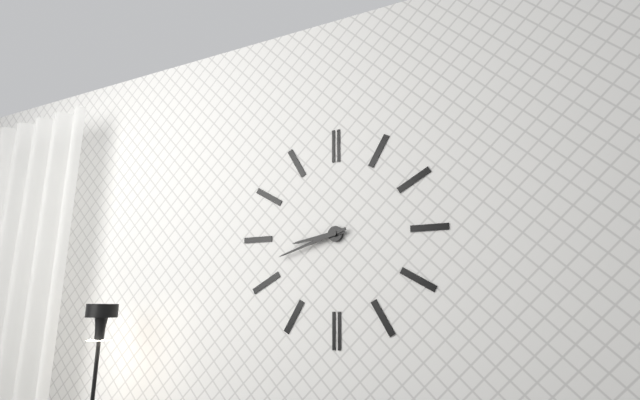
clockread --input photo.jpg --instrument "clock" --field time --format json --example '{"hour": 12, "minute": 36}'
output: {"hour": 8, "minute": 42}
